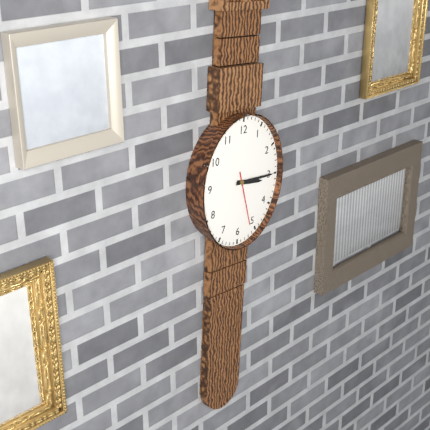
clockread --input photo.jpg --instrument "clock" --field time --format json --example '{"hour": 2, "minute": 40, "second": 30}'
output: {"hour": 3, "minute": 15, "second": 27}
